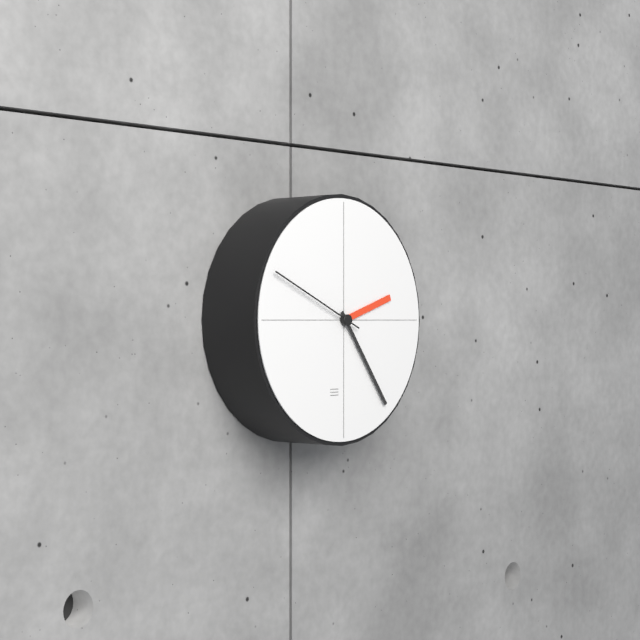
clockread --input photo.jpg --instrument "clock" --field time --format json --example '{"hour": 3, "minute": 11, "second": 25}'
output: {"hour": 2, "minute": 24, "second": 49}
